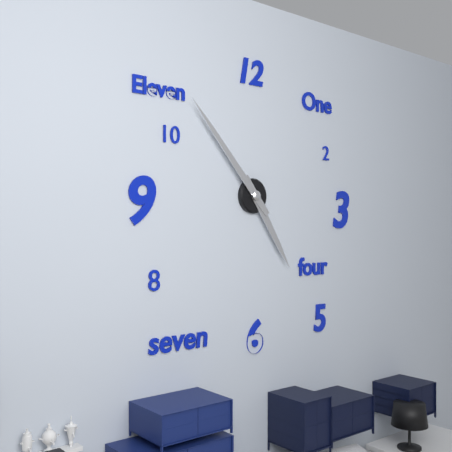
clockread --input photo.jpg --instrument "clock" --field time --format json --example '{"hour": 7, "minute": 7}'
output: {"hour": 4, "minute": 53}
